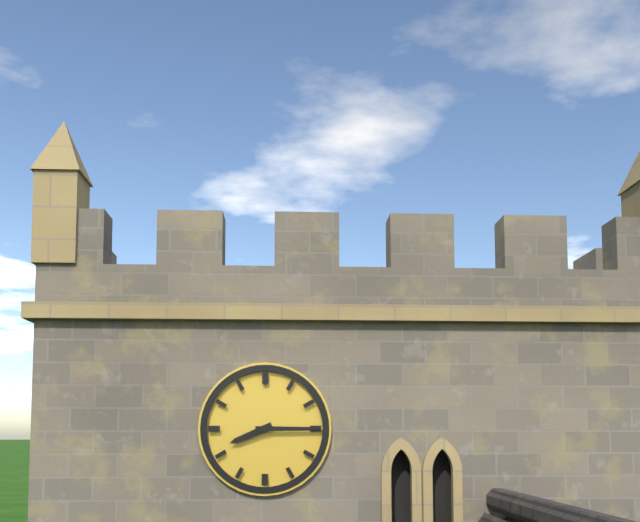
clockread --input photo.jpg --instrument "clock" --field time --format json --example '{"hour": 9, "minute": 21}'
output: {"hour": 8, "minute": 15}
